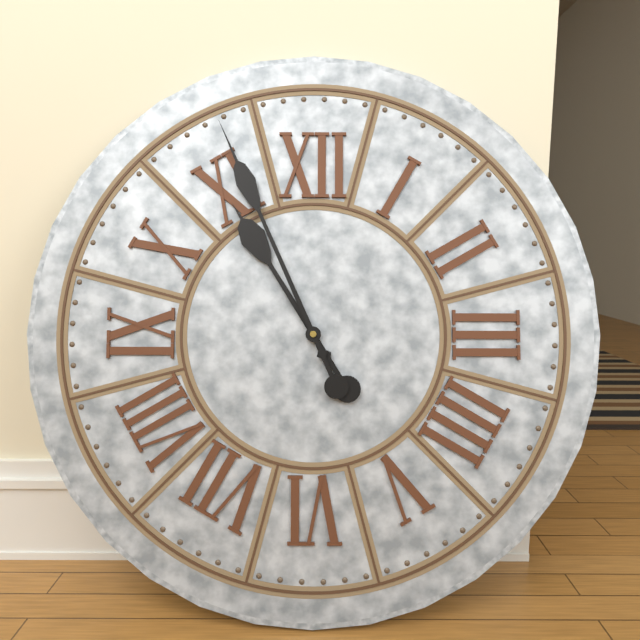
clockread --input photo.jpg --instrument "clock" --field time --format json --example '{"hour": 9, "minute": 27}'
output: {"hour": 10, "minute": 56}
